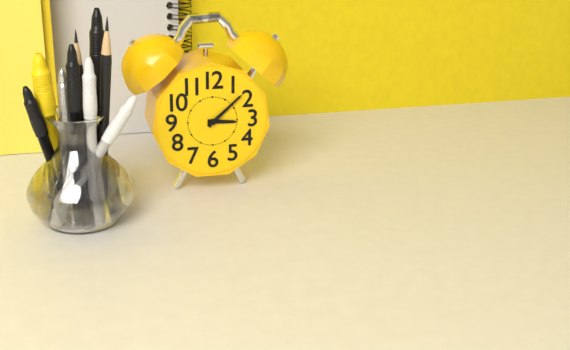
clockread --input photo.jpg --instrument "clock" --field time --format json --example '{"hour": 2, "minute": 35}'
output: {"hour": 3, "minute": 8}
